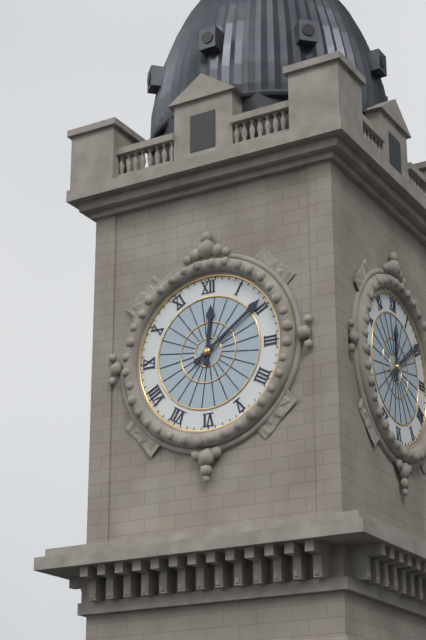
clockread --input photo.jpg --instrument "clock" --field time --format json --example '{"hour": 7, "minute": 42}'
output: {"hour": 12, "minute": 9}
